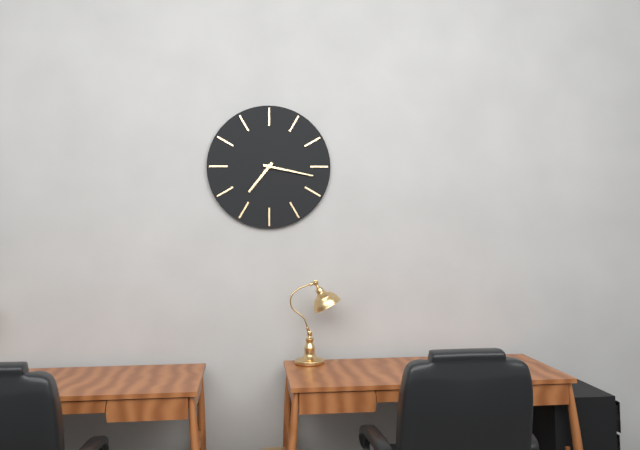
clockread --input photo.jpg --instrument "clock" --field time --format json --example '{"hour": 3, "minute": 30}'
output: {"hour": 7, "minute": 17}
